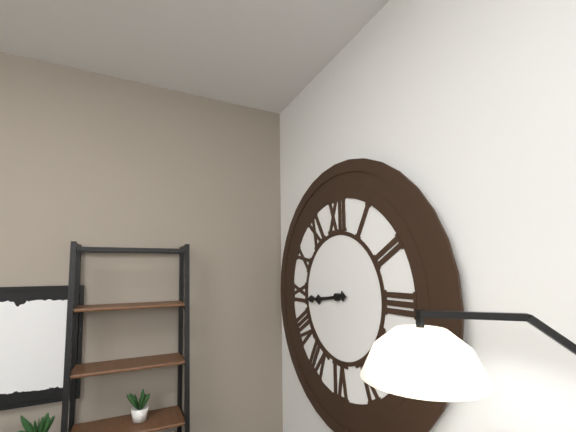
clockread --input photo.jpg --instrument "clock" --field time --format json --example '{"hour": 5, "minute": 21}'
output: {"hour": 8, "minute": 44}
